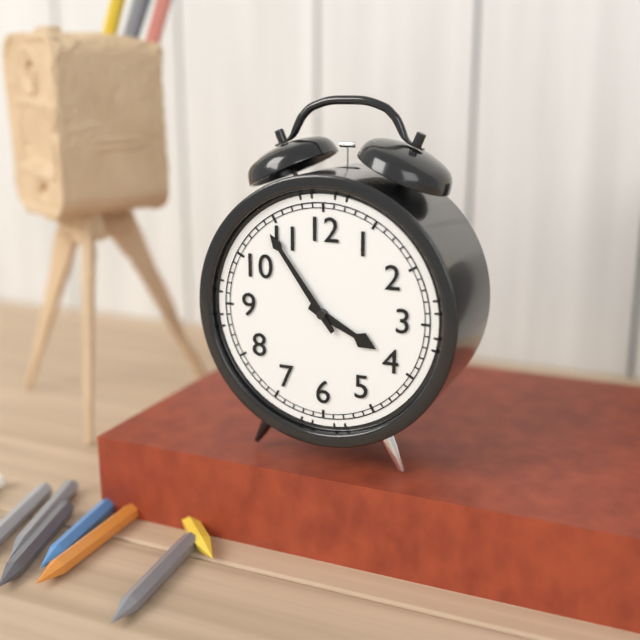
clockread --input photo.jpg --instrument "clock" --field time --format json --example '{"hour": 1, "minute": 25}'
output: {"hour": 3, "minute": 54}
